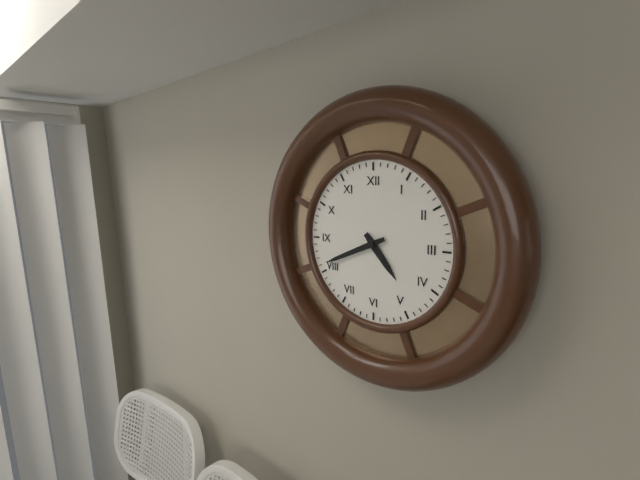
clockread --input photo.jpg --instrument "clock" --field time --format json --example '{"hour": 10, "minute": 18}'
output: {"hour": 4, "minute": 41}
